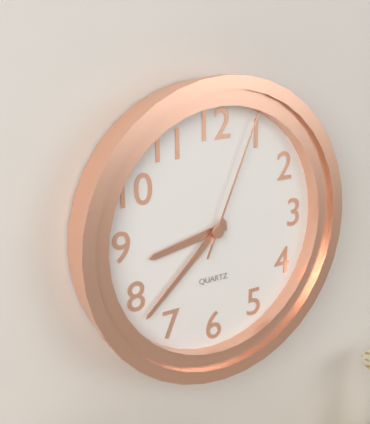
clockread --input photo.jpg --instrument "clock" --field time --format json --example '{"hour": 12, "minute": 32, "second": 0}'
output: {"hour": 8, "minute": 38, "second": 4}
